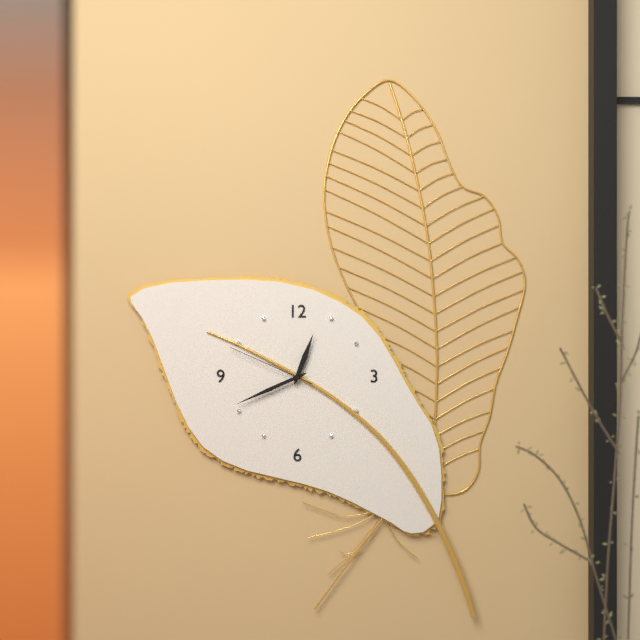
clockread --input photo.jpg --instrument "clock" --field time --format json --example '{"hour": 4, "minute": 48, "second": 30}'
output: {"hour": 12, "minute": 41, "second": 49}
